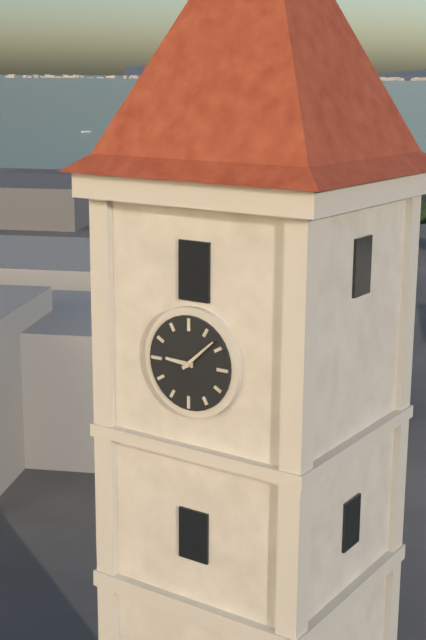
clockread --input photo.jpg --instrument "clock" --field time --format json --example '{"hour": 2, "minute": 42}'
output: {"hour": 9, "minute": 8}
